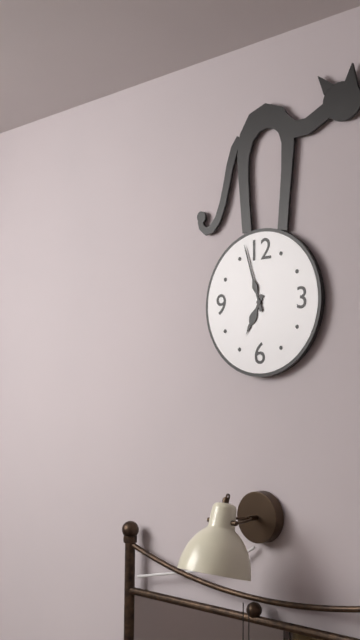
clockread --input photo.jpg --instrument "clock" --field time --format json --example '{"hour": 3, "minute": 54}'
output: {"hour": 6, "minute": 57}
